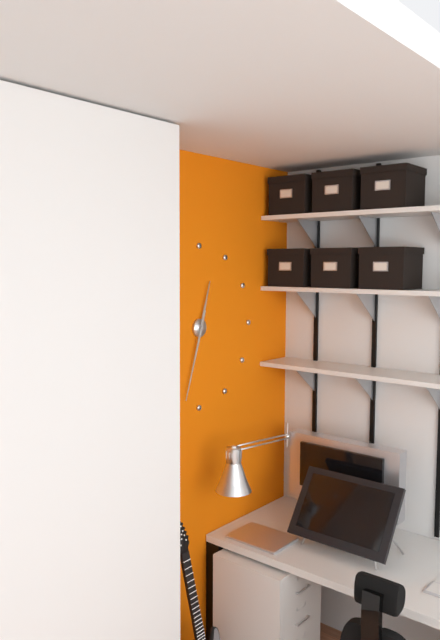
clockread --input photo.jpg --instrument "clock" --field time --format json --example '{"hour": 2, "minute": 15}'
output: {"hour": 12, "minute": 33}
